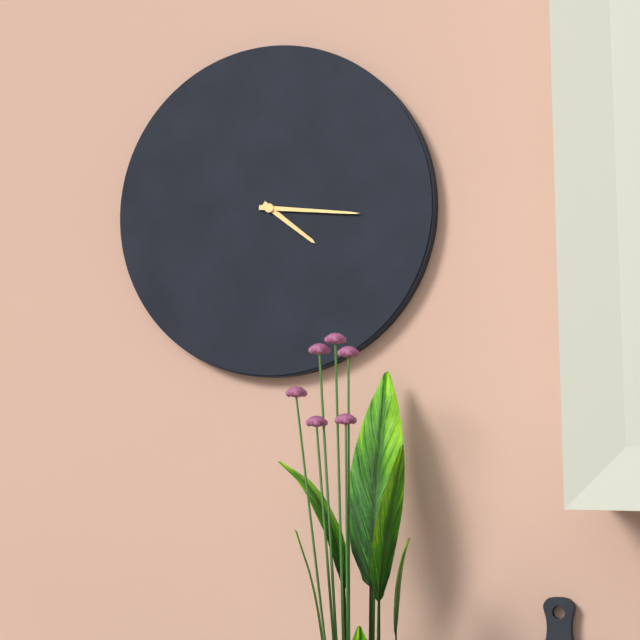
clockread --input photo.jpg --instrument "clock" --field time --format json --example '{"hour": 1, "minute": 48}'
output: {"hour": 4, "minute": 16}
